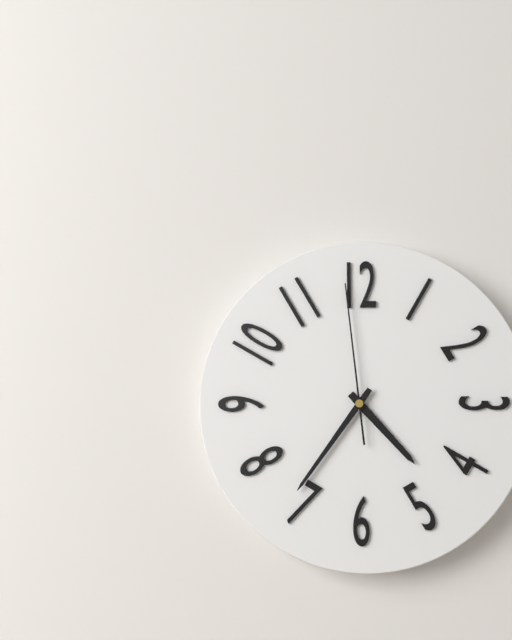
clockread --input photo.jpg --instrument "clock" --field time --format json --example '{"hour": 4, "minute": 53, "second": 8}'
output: {"hour": 4, "minute": 36, "second": 59}
